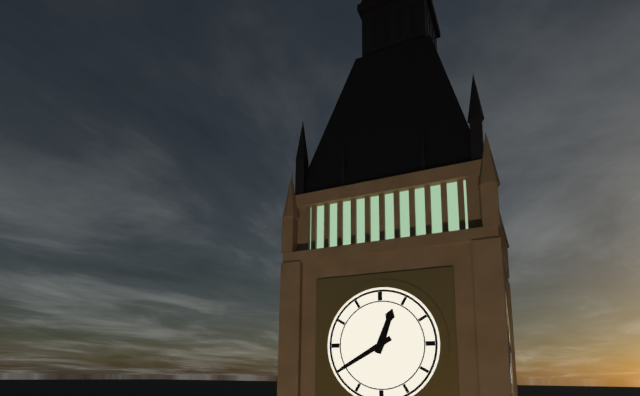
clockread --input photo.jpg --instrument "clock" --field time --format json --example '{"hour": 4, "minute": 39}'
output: {"hour": 12, "minute": 40}
